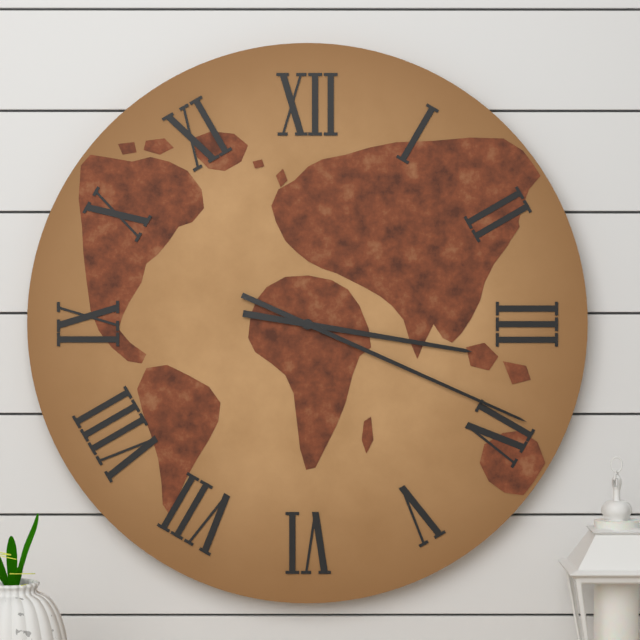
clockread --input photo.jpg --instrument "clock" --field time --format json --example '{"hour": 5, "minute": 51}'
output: {"hour": 3, "minute": 19}
